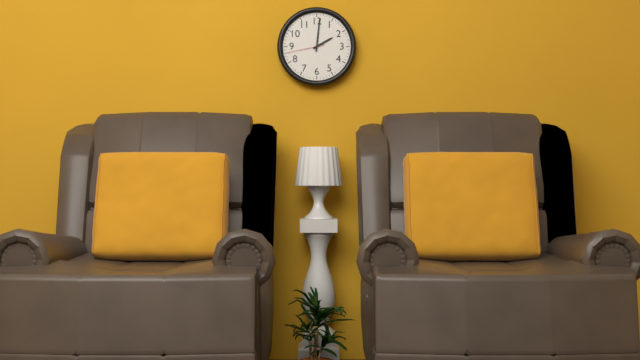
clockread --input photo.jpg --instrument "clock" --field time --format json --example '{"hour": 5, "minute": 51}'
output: {"hour": 2, "minute": 1}
